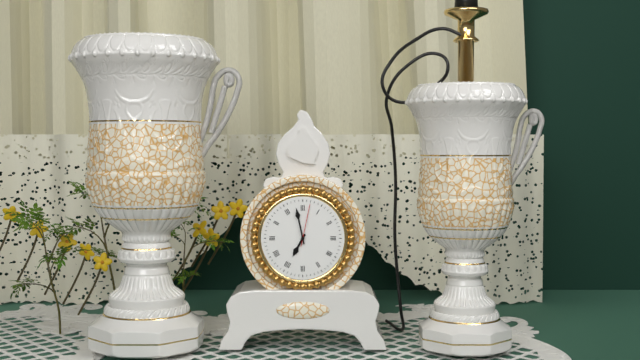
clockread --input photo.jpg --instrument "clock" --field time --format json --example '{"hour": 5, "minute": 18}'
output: {"hour": 6, "minute": 58}
